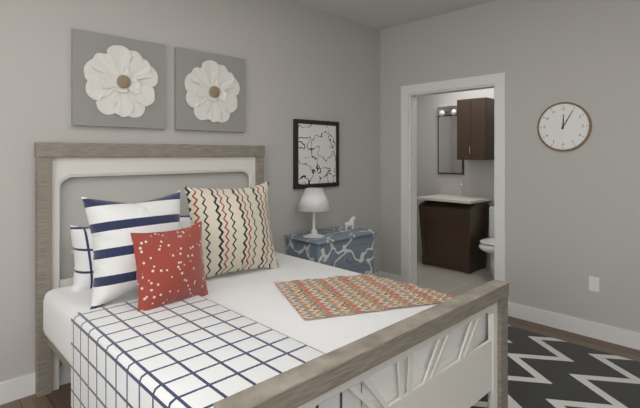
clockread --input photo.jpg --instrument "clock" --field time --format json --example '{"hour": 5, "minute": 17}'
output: {"hour": 12, "minute": 5}
